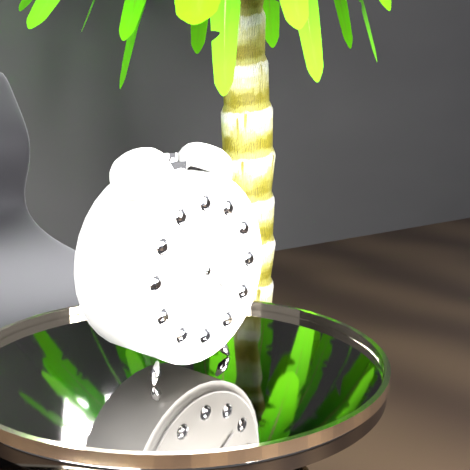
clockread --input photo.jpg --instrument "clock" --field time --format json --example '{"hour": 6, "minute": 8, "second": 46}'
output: {"hour": 9, "minute": 21, "second": 2}
